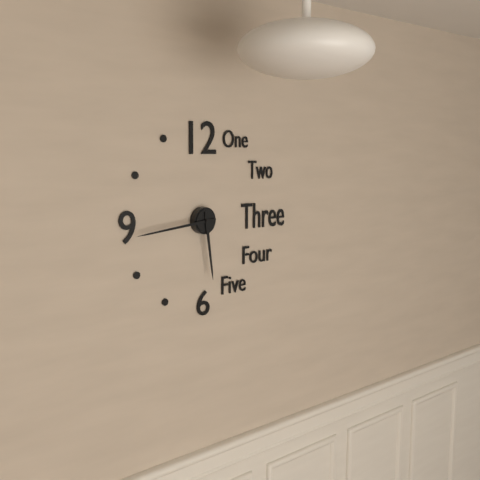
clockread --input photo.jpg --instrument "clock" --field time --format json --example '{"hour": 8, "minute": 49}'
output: {"hour": 5, "minute": 44}
